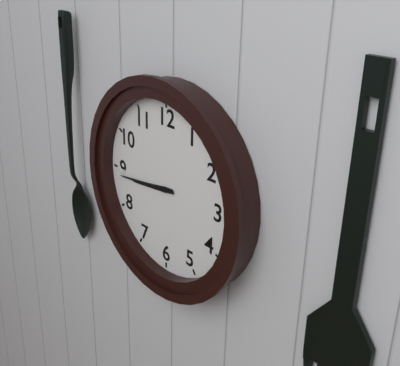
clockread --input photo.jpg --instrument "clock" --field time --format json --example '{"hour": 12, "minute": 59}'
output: {"hour": 8, "minute": 44}
